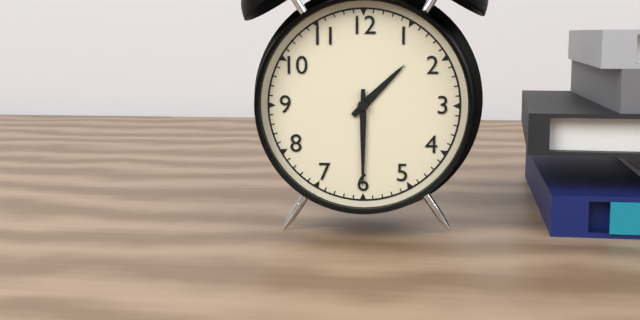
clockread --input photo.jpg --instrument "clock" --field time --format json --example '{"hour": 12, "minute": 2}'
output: {"hour": 1, "minute": 30}
